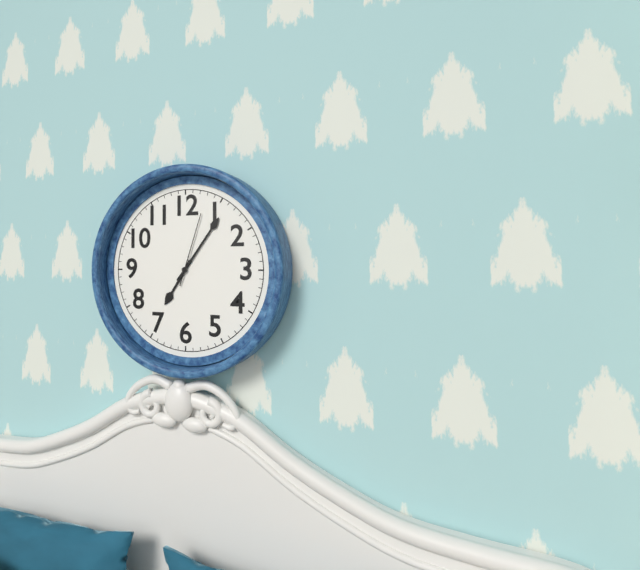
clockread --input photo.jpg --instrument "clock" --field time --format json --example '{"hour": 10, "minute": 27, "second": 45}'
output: {"hour": 7, "minute": 6, "second": 3}
